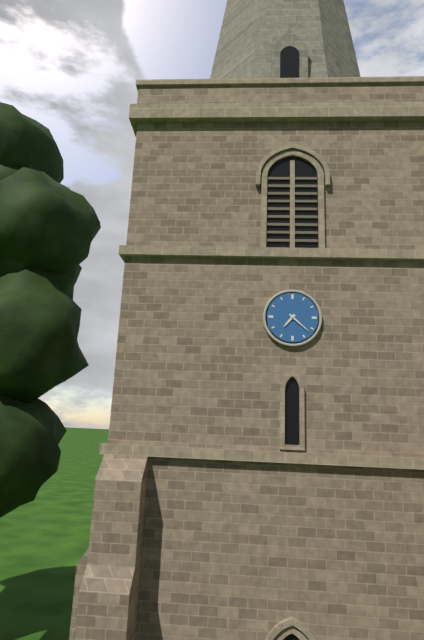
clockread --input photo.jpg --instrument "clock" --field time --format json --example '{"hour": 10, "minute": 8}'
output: {"hour": 7, "minute": 22}
